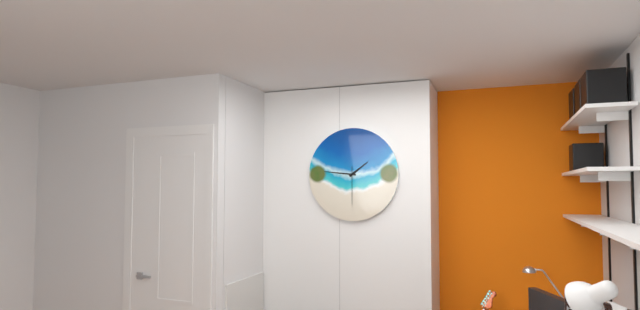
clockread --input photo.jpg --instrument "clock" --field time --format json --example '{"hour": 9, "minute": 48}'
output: {"hour": 1, "minute": 46}
